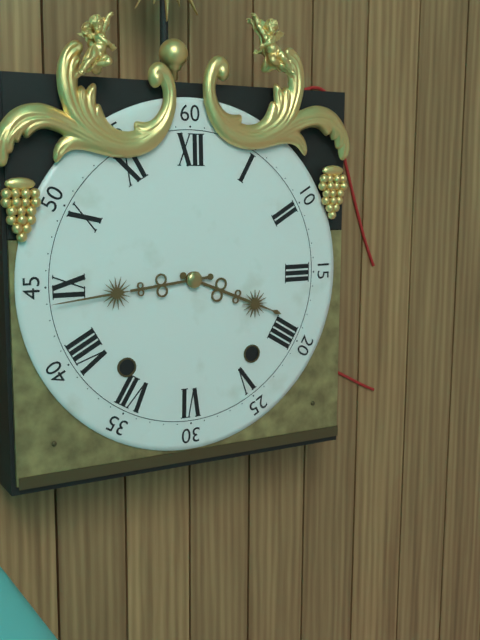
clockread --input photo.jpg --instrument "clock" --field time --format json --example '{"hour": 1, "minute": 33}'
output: {"hour": 3, "minute": 44}
